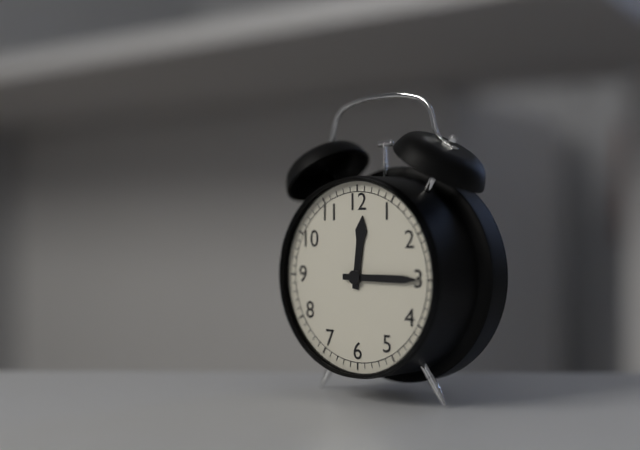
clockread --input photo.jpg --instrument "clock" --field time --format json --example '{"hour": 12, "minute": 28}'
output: {"hour": 12, "minute": 15}
